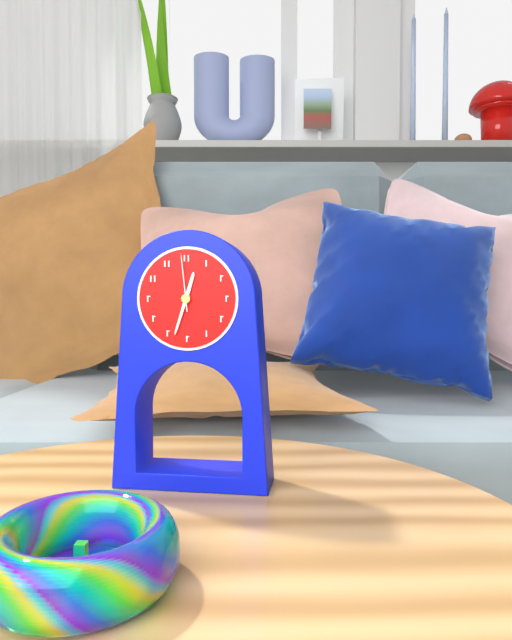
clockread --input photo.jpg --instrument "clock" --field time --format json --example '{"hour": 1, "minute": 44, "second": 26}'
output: {"hour": 12, "minute": 33, "second": 59}
